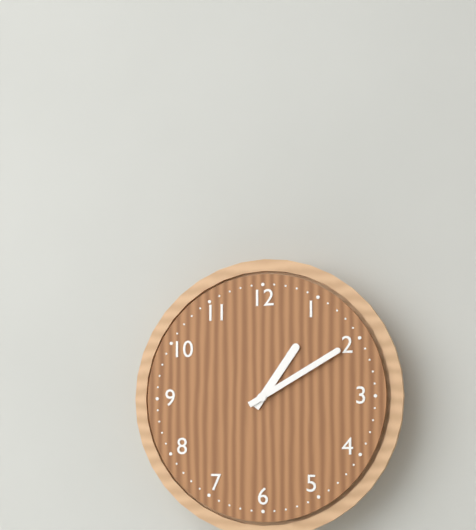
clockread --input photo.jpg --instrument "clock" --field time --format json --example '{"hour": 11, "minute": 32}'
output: {"hour": 1, "minute": 10}
